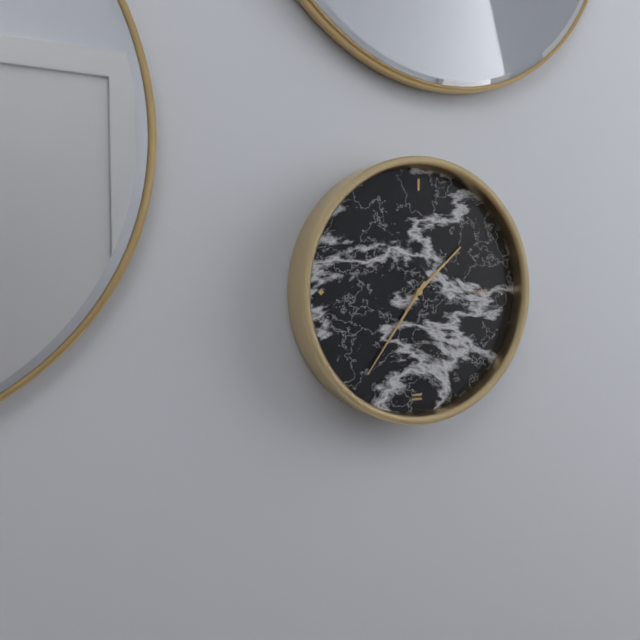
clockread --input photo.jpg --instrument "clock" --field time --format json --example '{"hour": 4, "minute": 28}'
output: {"hour": 1, "minute": 36}
